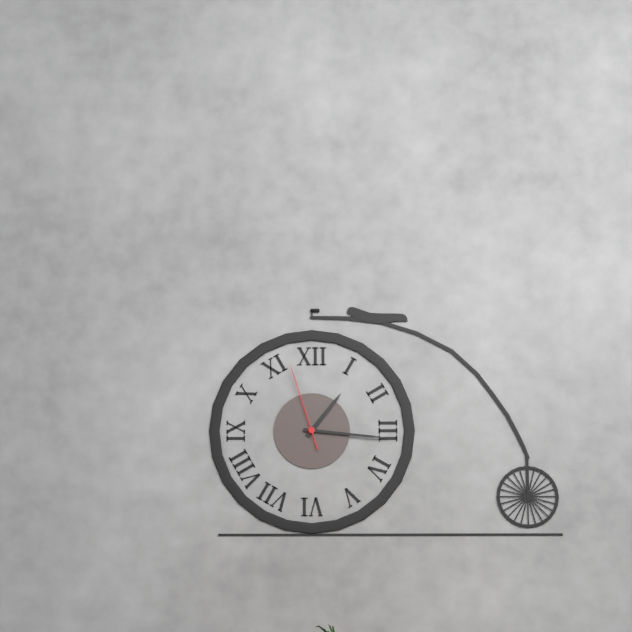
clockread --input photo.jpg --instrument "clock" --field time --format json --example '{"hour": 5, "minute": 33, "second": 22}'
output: {"hour": 1, "minute": 16, "second": 57}
